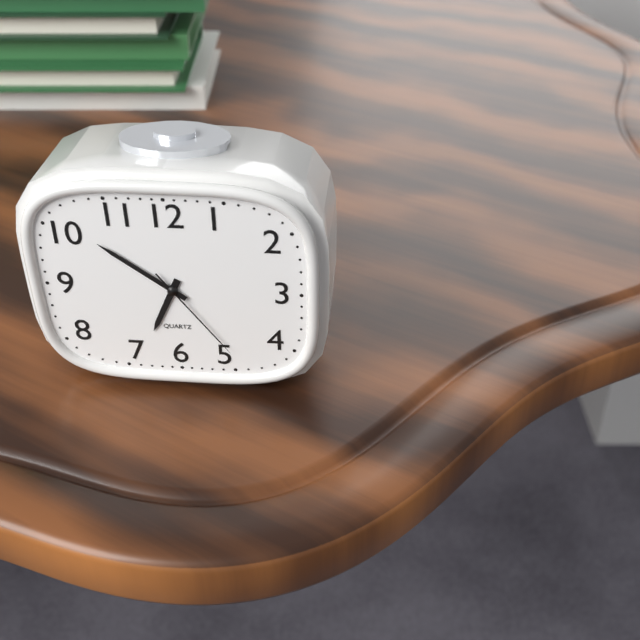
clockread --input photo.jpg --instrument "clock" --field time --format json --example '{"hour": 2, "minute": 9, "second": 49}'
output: {"hour": 6, "minute": 51, "second": 24}
